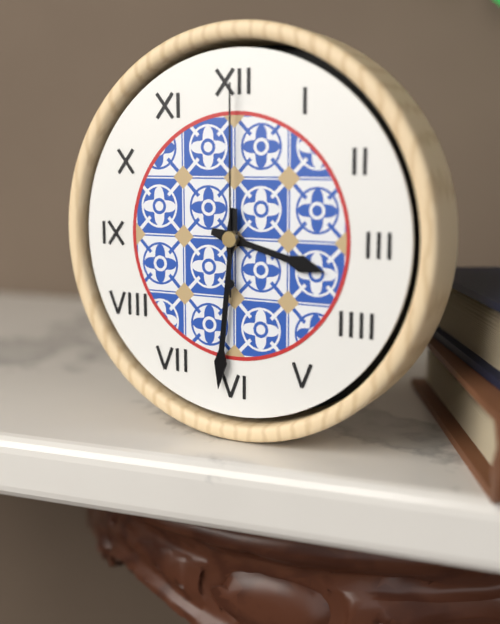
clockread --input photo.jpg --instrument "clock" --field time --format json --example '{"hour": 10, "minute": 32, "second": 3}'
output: {"hour": 3, "minute": 31, "second": 0}
